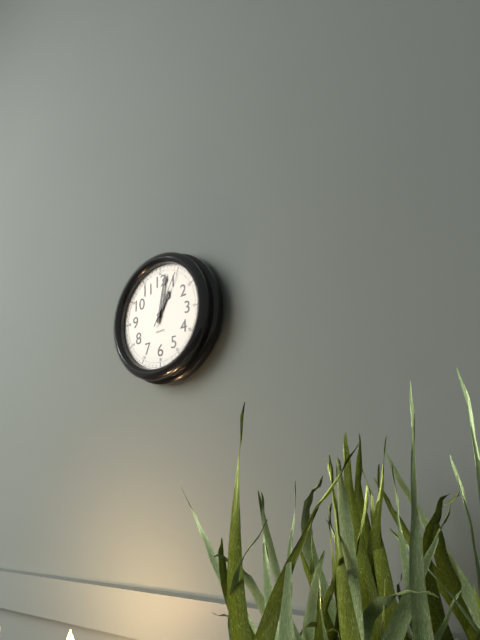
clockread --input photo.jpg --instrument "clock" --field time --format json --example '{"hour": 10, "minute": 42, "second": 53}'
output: {"hour": 1, "minute": 2, "second": 5}
